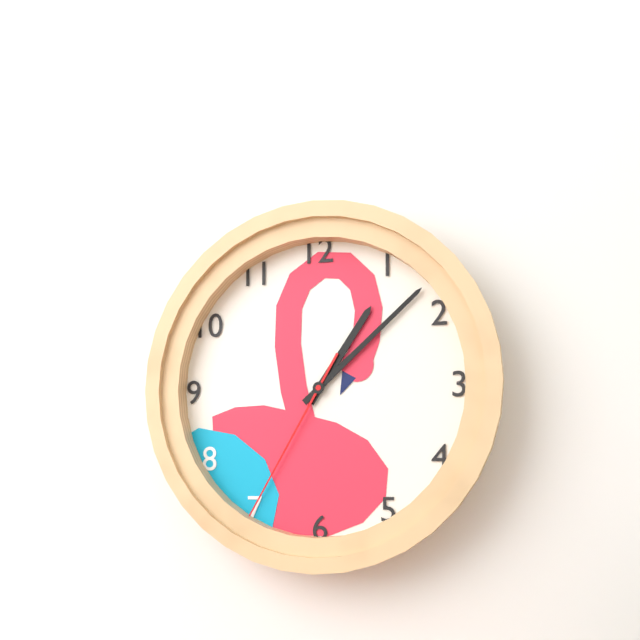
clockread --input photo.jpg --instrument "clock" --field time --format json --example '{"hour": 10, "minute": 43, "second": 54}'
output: {"hour": 1, "minute": 8, "second": 35}
